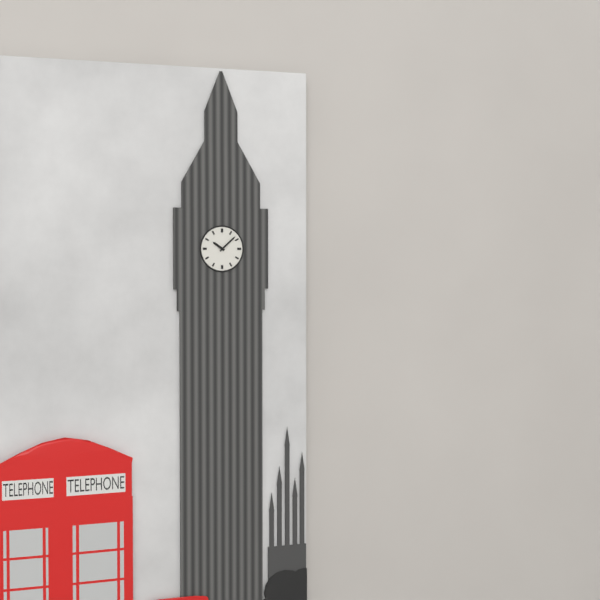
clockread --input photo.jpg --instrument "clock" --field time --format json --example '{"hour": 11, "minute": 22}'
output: {"hour": 10, "minute": 8}
